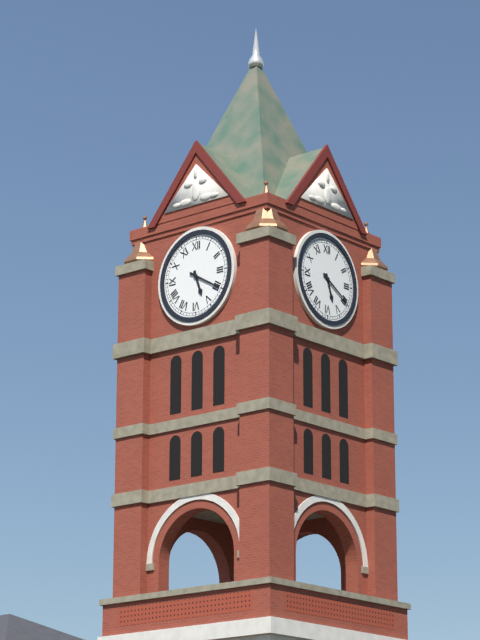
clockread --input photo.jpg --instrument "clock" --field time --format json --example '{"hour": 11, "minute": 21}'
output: {"hour": 5, "minute": 20}
